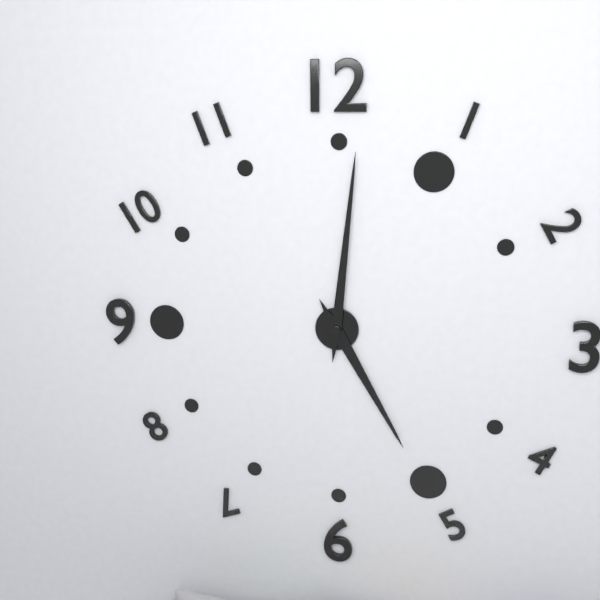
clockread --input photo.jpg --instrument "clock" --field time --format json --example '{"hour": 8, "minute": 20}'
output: {"hour": 5, "minute": 1}
